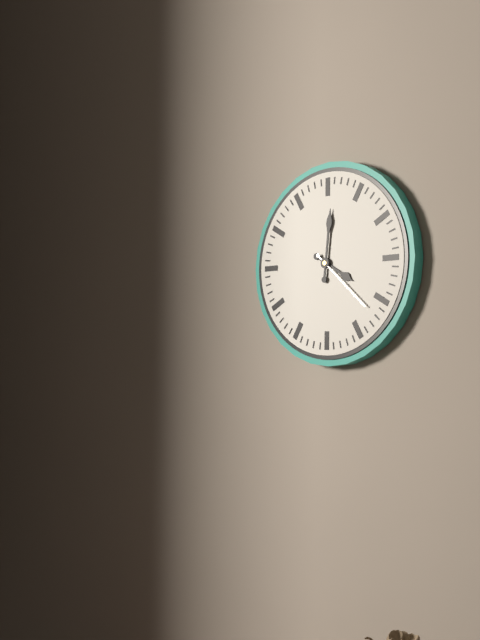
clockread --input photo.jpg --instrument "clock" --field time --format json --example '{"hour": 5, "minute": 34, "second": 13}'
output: {"hour": 4, "minute": 1, "second": 22}
